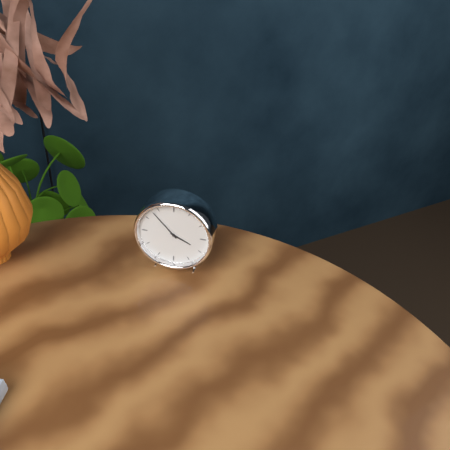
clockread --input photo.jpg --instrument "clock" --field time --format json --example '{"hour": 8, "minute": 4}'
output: {"hour": 3, "minute": 53}
